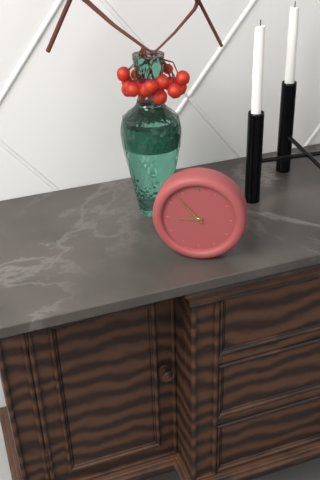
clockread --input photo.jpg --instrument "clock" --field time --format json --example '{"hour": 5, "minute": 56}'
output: {"hour": 8, "minute": 53}
